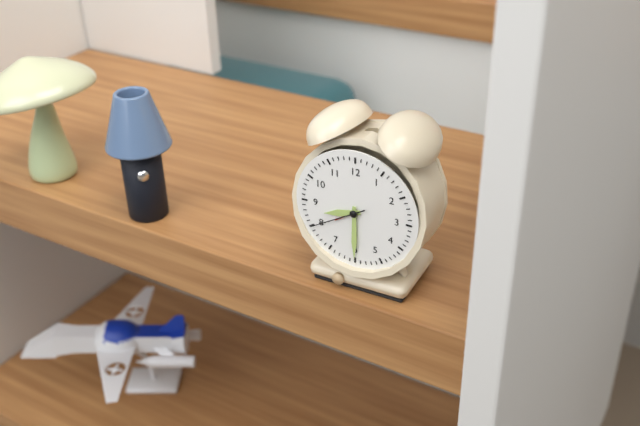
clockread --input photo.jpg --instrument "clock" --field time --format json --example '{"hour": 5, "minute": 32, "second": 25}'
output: {"hour": 8, "minute": 30, "second": 40}
